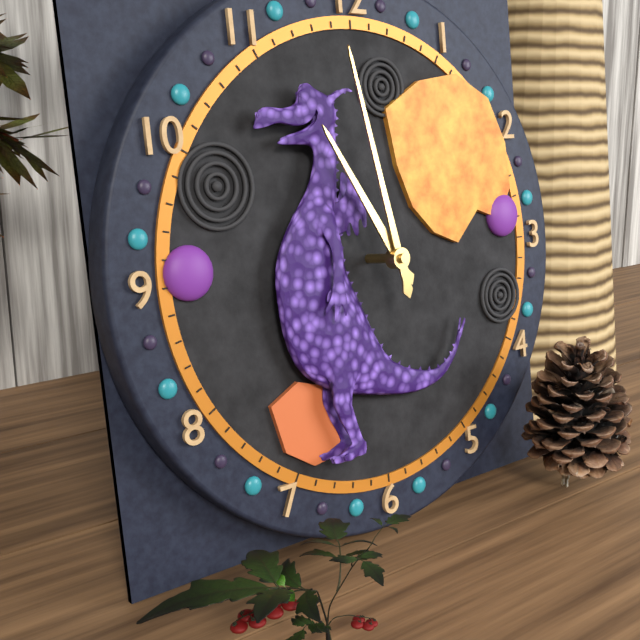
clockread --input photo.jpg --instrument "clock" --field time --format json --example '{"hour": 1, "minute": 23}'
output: {"hour": 10, "minute": 58}
